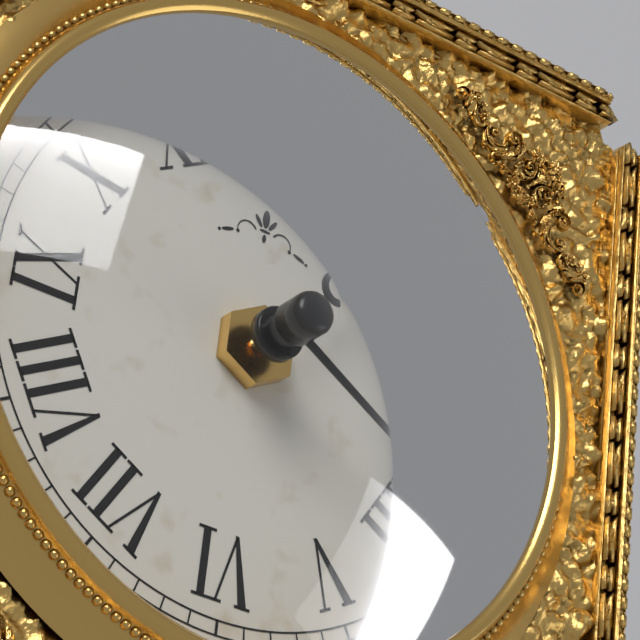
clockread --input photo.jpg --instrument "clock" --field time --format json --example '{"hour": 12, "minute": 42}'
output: {"hour": 1, "minute": 20}
